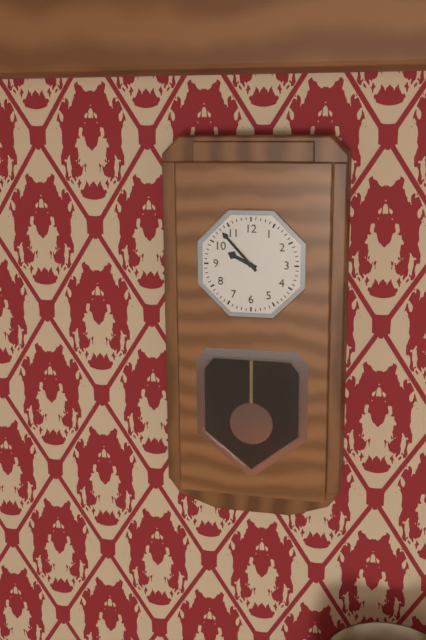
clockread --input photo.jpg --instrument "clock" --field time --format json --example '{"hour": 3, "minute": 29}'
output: {"hour": 9, "minute": 53}
